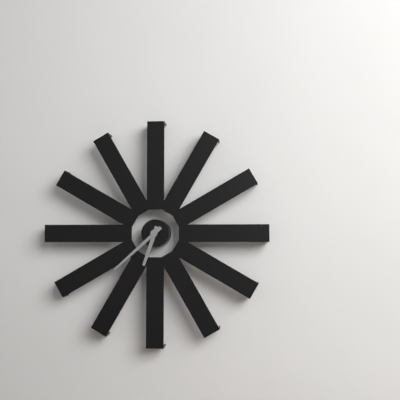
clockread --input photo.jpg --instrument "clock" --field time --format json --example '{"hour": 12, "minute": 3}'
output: {"hour": 6, "minute": 38}
